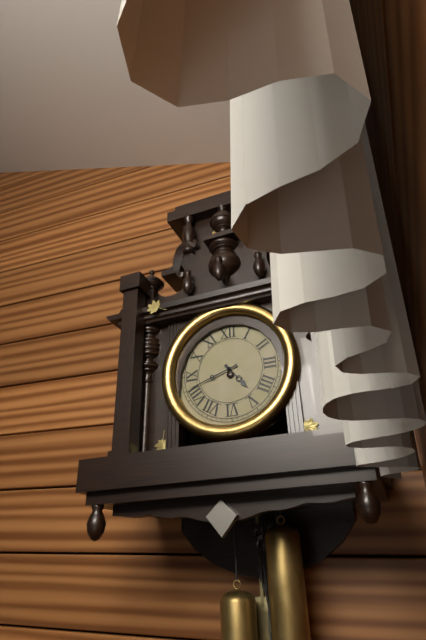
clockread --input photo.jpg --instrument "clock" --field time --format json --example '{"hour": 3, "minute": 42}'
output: {"hour": 4, "minute": 42}
